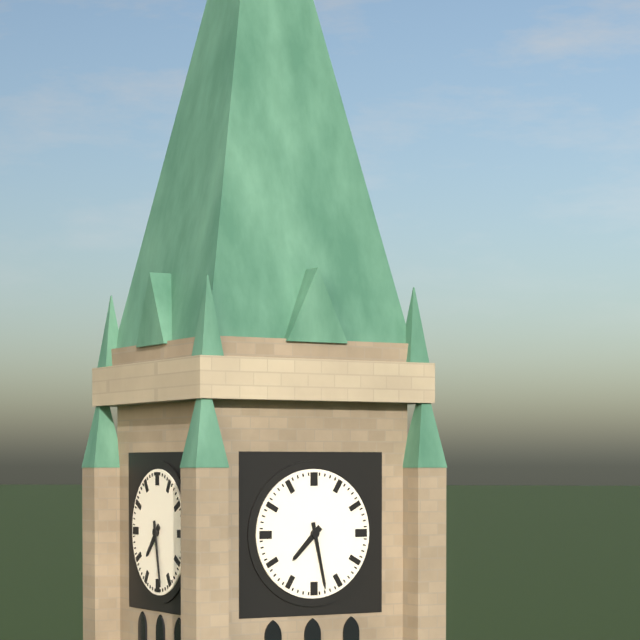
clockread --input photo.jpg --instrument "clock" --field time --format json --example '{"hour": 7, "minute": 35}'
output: {"hour": 7, "minute": 28}
